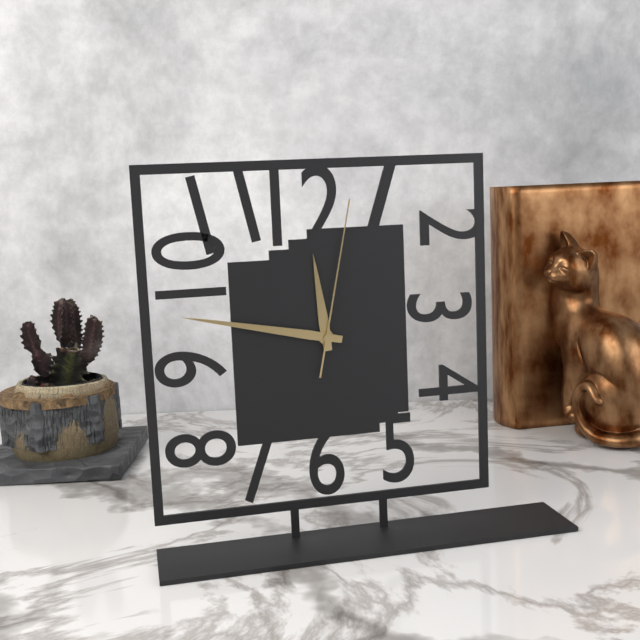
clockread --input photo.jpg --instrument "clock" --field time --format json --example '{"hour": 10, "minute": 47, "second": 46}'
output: {"hour": 11, "minute": 47, "second": 2}
